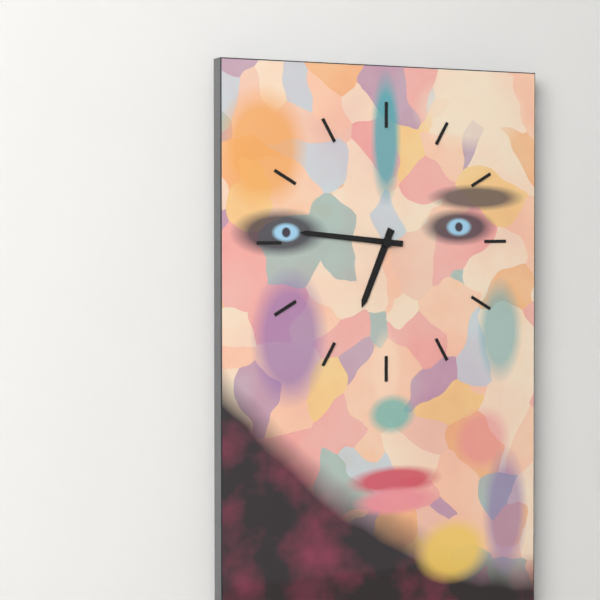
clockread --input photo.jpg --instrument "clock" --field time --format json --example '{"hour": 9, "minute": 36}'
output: {"hour": 6, "minute": 46}
